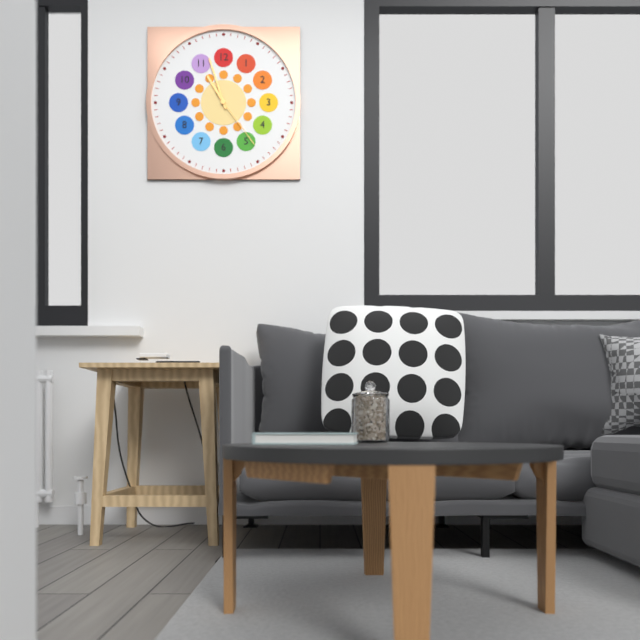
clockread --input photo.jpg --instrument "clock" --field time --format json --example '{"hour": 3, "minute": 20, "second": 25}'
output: {"hour": 10, "minute": 57, "second": 24}
